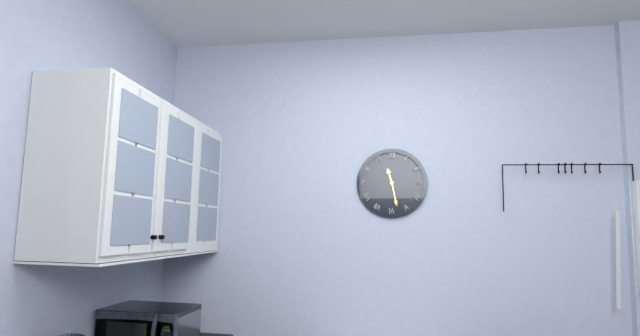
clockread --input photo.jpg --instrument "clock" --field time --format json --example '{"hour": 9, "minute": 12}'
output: {"hour": 11, "minute": 28}
